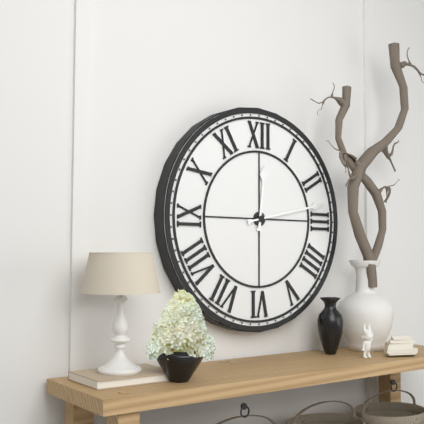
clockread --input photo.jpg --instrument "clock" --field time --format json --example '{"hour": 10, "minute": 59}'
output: {"hour": 12, "minute": 13}
